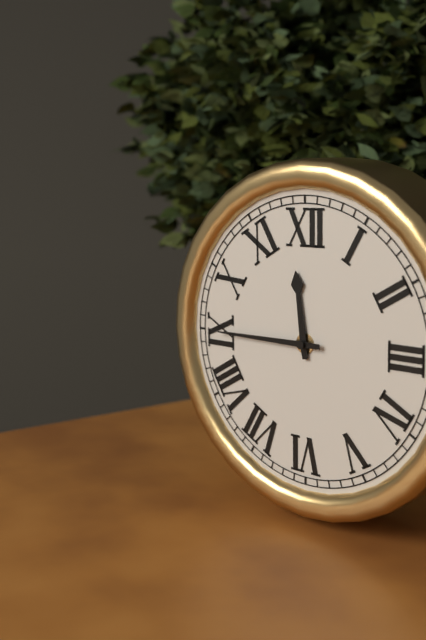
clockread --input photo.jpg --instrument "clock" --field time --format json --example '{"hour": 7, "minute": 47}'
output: {"hour": 11, "minute": 45}
